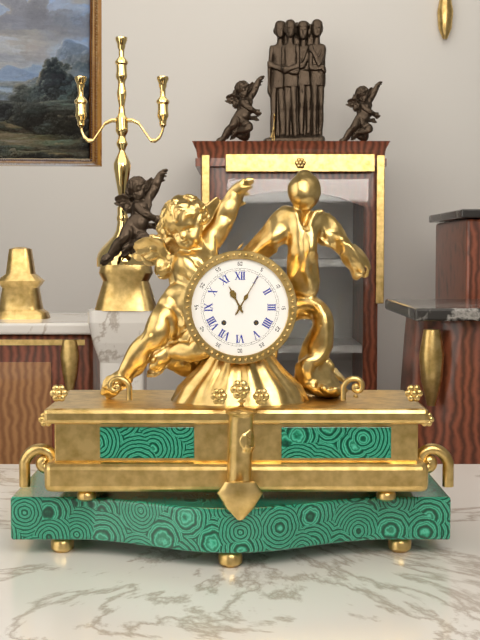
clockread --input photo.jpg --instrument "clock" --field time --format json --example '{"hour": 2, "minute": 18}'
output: {"hour": 11, "minute": 5}
